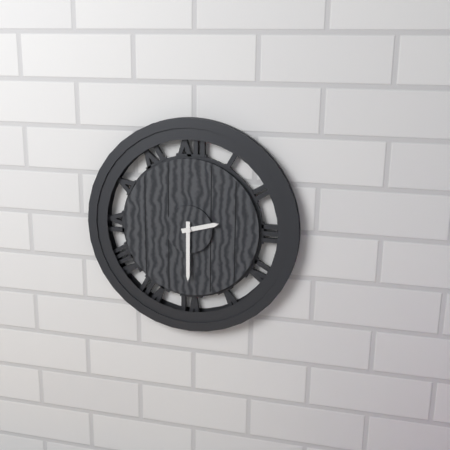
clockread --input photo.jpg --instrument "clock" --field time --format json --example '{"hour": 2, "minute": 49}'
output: {"hour": 2, "minute": 30}
